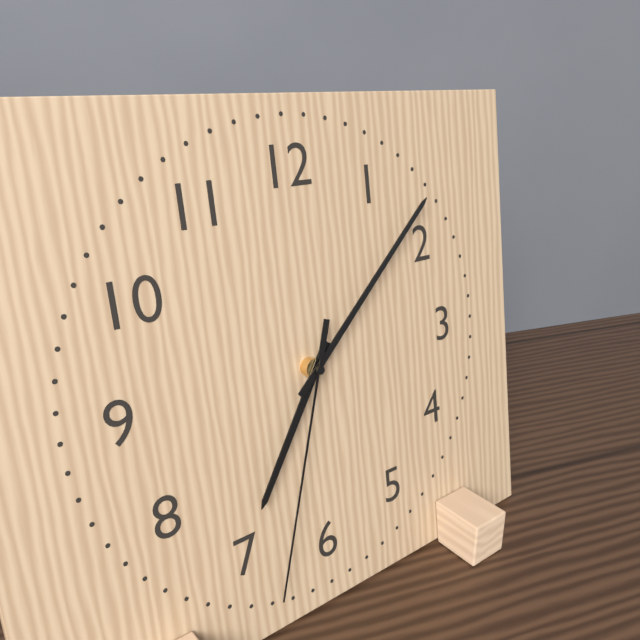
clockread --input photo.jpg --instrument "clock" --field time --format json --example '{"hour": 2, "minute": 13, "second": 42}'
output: {"hour": 7, "minute": 8, "second": 33}
